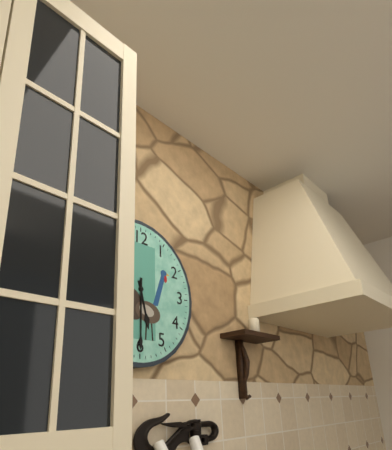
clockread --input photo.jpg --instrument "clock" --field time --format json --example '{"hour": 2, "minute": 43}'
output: {"hour": 5, "minute": 30}
